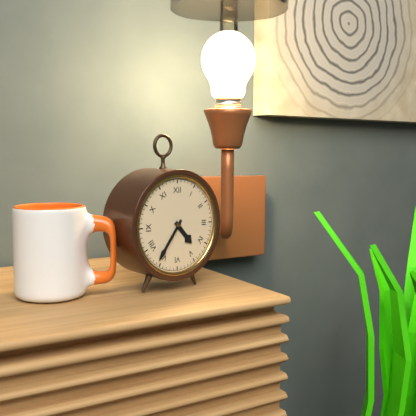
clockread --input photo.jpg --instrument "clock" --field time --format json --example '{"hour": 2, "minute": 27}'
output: {"hour": 4, "minute": 36}
